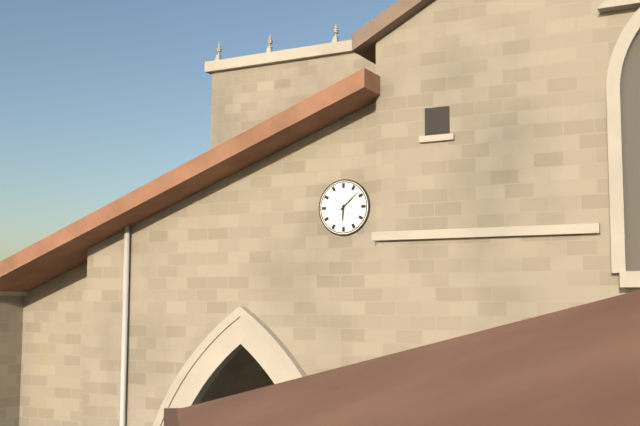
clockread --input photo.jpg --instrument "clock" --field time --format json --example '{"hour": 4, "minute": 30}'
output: {"hour": 6, "minute": 8}
